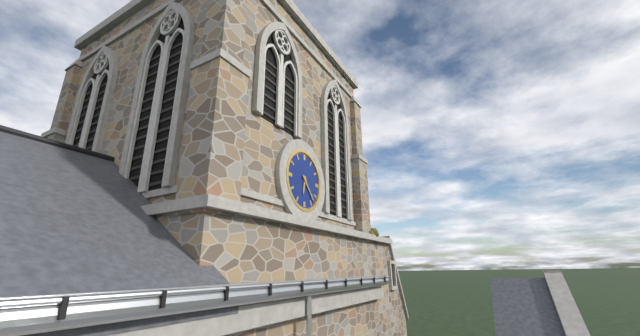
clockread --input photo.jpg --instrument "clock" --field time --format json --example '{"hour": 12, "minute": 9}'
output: {"hour": 6, "minute": 23}
